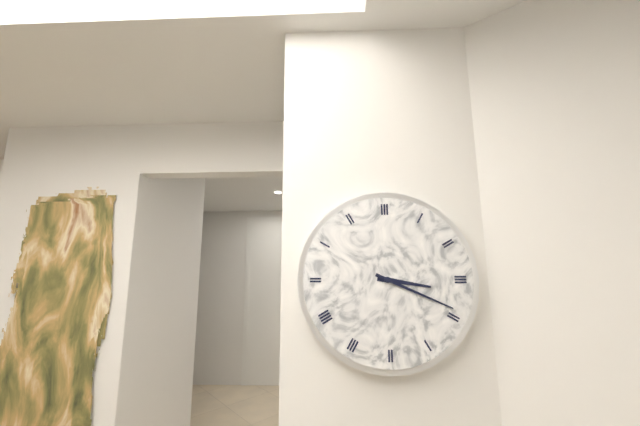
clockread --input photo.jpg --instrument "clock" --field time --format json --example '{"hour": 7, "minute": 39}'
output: {"hour": 3, "minute": 19}
